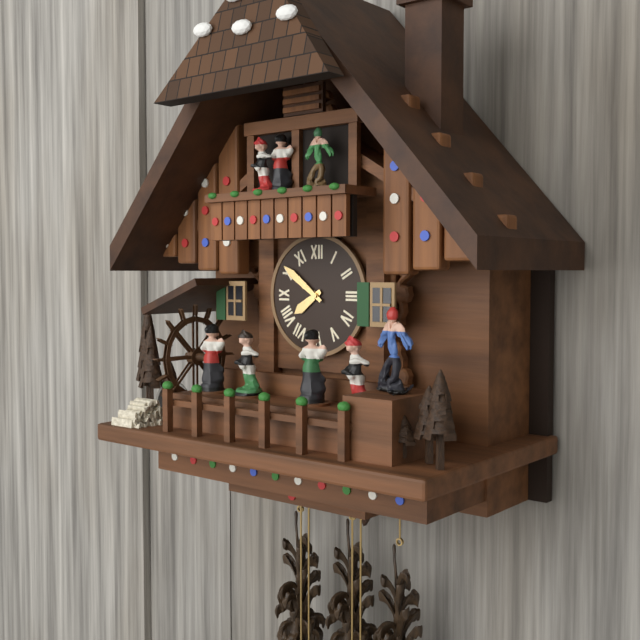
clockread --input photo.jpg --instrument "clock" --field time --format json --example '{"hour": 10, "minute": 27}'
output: {"hour": 7, "minute": 51}
